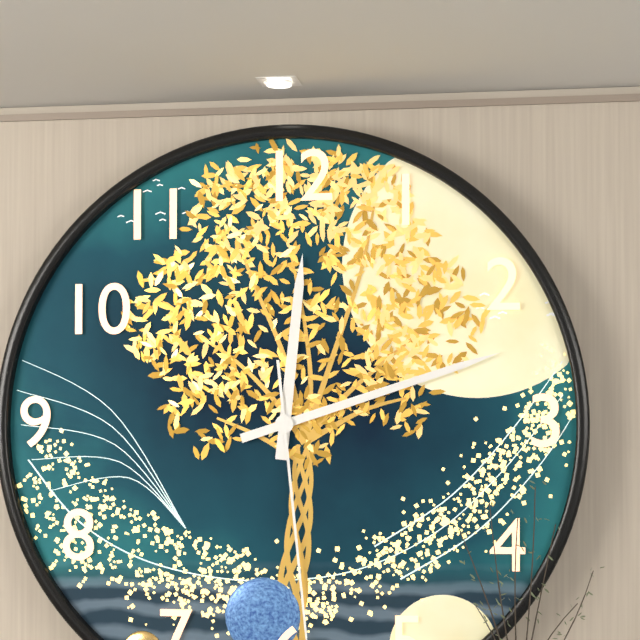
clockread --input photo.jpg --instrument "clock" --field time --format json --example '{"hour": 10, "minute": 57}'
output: {"hour": 12, "minute": 12}
